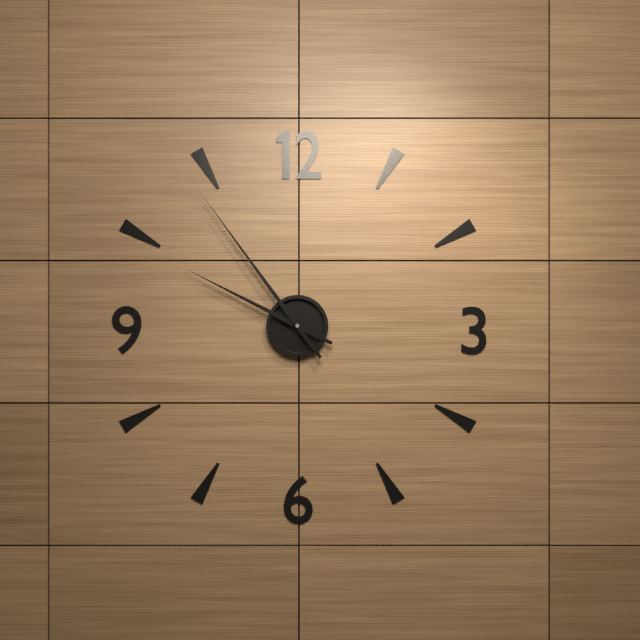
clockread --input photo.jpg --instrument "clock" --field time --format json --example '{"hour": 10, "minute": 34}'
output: {"hour": 9, "minute": 54}
